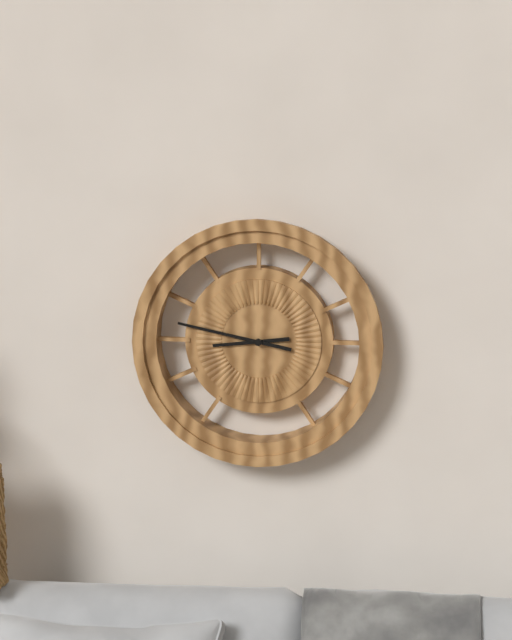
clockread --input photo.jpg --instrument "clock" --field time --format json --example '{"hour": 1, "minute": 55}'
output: {"hour": 8, "minute": 47}
